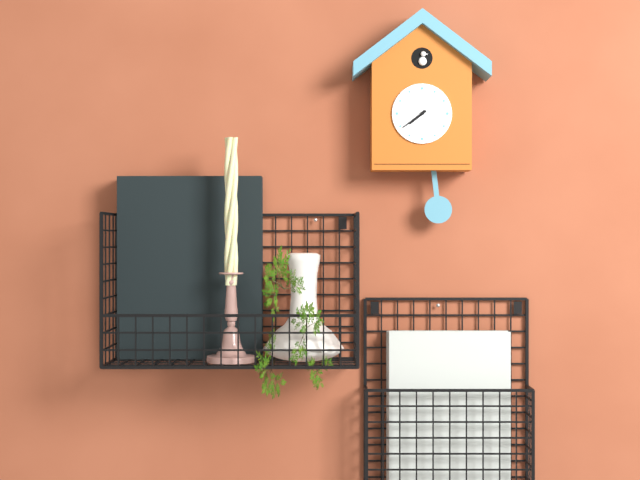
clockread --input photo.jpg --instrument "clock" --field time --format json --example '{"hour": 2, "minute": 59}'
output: {"hour": 7, "minute": 39}
